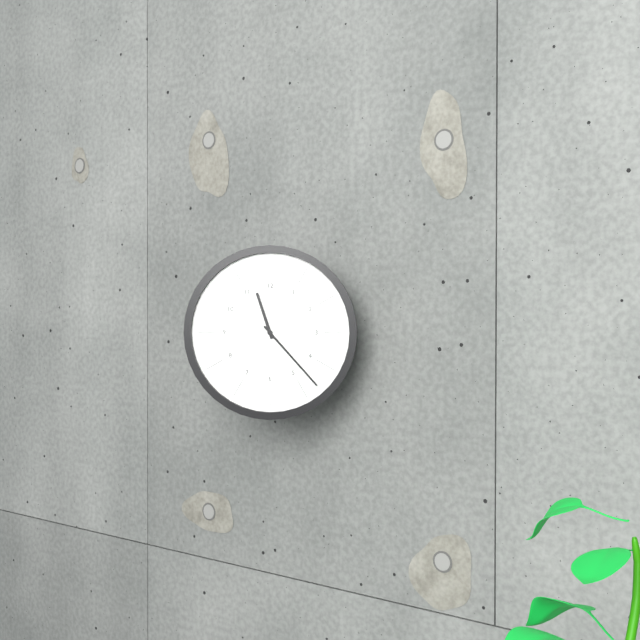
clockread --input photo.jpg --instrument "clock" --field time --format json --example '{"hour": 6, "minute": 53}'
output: {"hour": 11, "minute": 23}
